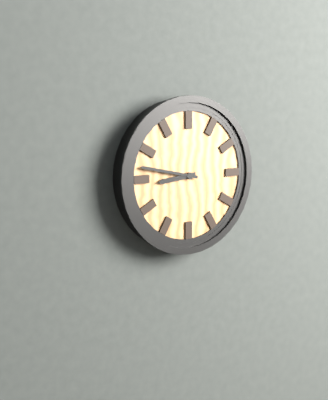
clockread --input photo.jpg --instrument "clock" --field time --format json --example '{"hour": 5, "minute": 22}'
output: {"hour": 8, "minute": 47}
